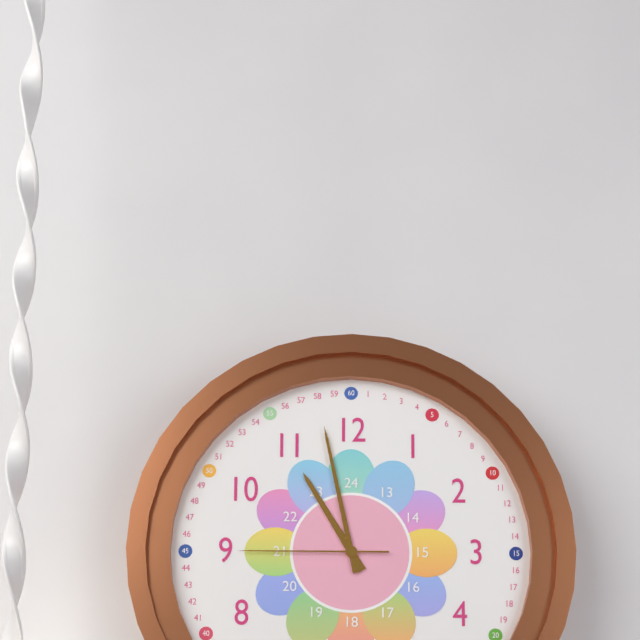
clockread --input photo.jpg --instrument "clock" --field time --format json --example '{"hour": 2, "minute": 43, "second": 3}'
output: {"hour": 10, "minute": 58, "second": 45}
